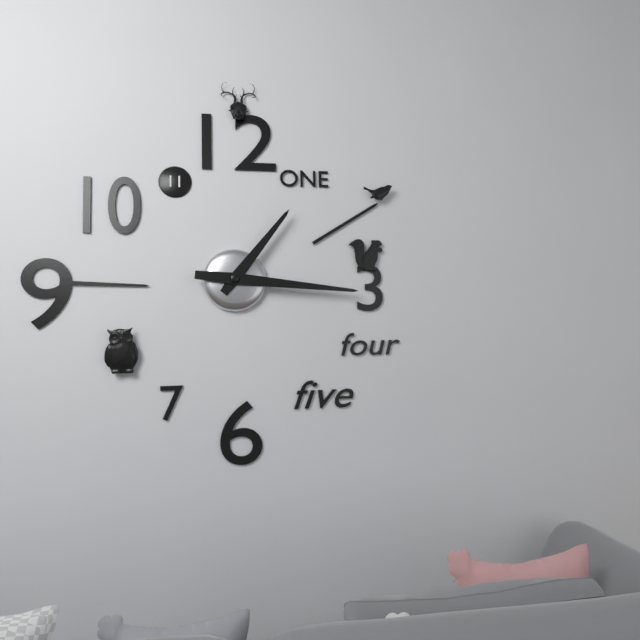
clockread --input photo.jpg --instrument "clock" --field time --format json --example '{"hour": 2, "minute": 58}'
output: {"hour": 1, "minute": 16}
